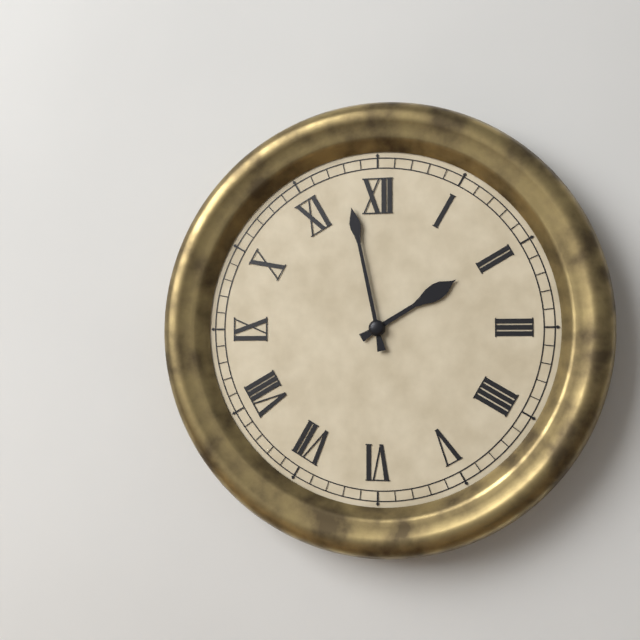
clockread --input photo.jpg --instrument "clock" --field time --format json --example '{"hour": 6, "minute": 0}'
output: {"hour": 1, "minute": 58}
